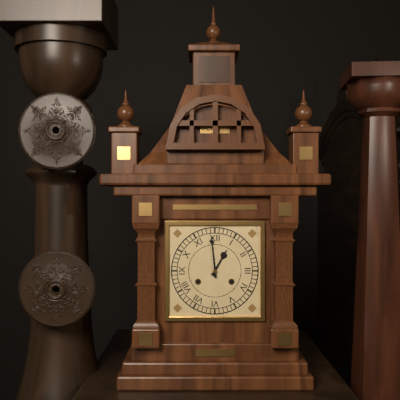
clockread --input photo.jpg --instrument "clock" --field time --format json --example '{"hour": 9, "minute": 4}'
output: {"hour": 12, "minute": 59}
